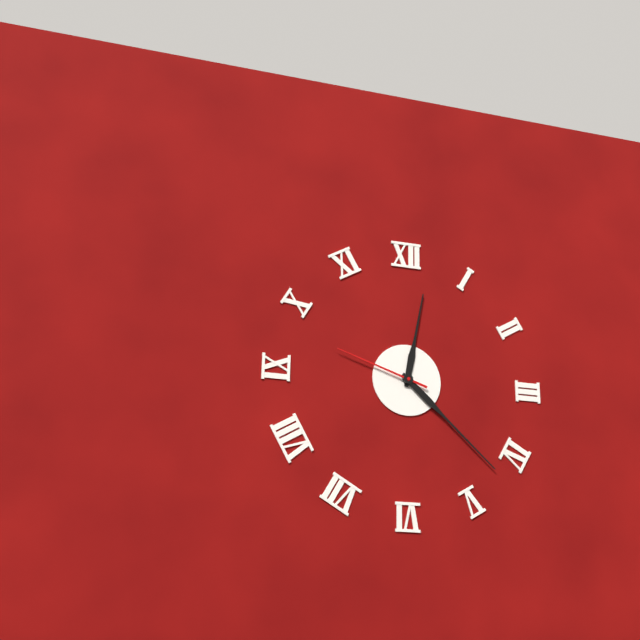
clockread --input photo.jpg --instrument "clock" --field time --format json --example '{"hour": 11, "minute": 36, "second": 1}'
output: {"hour": 12, "minute": 22, "second": 48}
